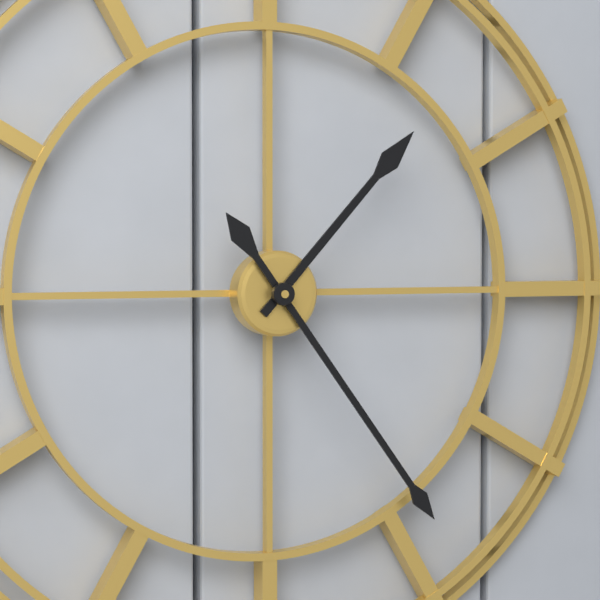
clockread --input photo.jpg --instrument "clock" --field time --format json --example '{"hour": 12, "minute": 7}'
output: {"hour": 1, "minute": 24}
